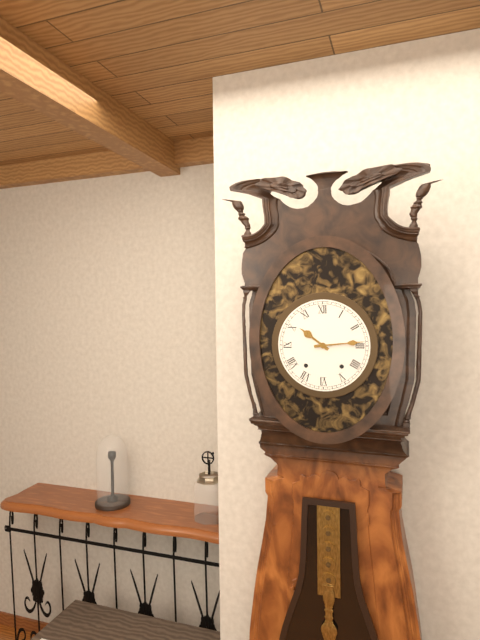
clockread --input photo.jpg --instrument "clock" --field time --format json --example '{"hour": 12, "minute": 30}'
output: {"hour": 10, "minute": 14}
